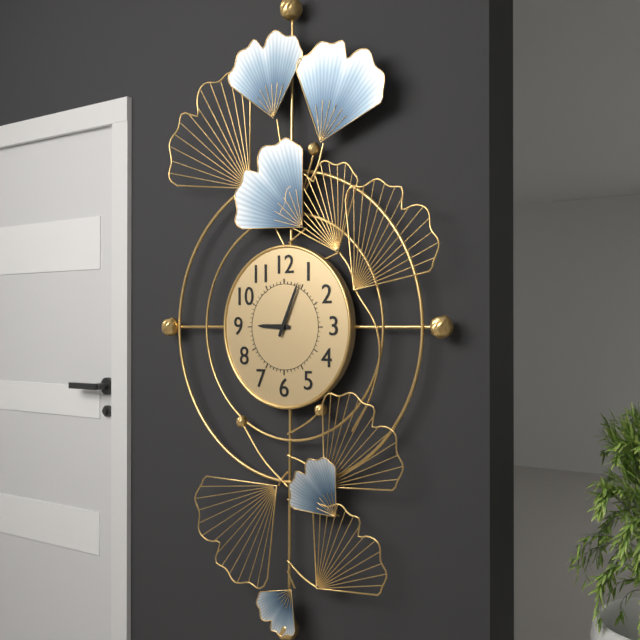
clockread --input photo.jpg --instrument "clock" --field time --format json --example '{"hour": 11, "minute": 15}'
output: {"hour": 9, "minute": 4}
